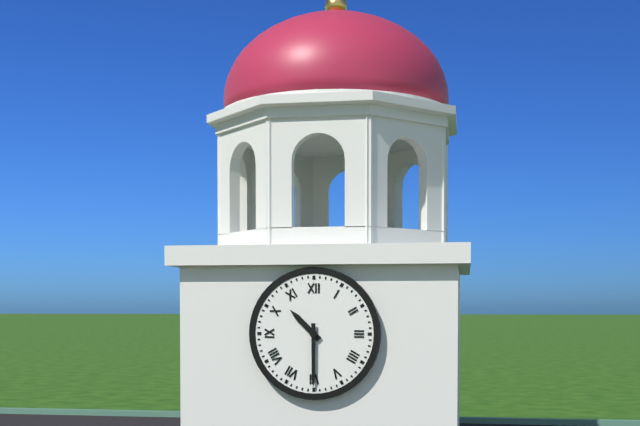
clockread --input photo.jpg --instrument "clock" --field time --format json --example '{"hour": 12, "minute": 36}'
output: {"hour": 10, "minute": 30}
